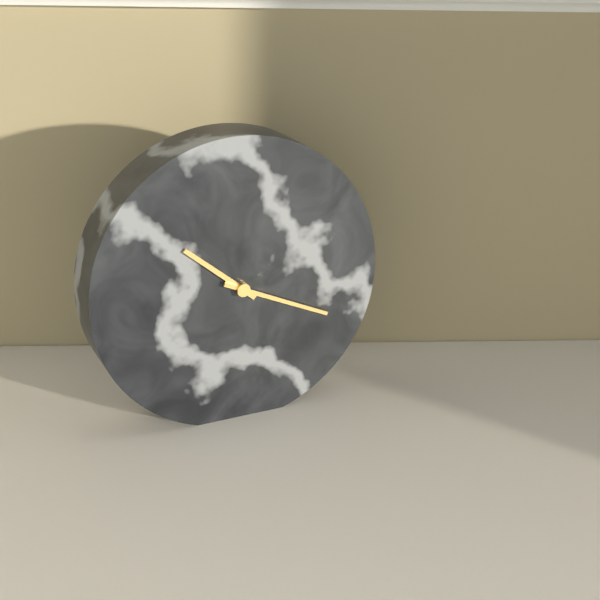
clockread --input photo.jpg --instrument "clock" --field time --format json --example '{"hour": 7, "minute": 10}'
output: {"hour": 10, "minute": 19}
